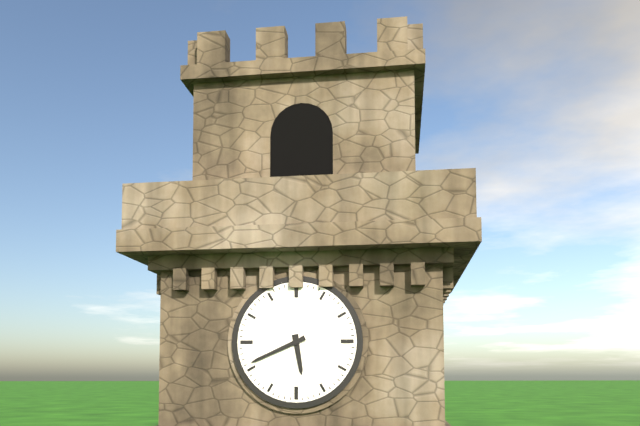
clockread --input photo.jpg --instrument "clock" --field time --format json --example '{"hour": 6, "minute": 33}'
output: {"hour": 5, "minute": 41}
